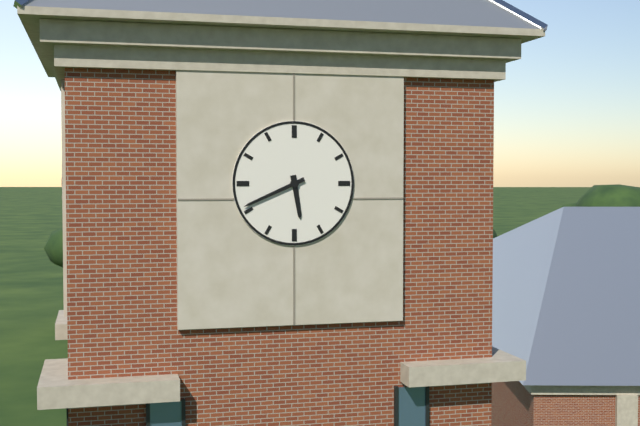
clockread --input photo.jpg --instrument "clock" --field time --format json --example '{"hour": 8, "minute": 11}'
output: {"hour": 5, "minute": 41}
